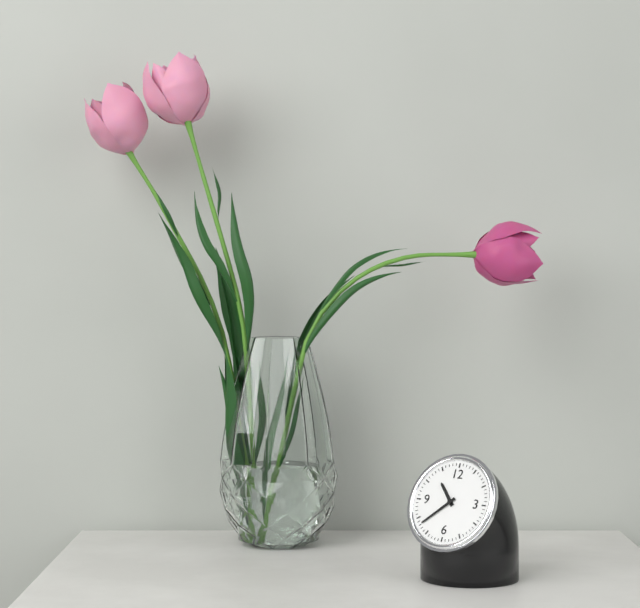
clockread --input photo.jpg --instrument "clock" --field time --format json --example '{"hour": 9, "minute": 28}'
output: {"hour": 10, "minute": 38}
